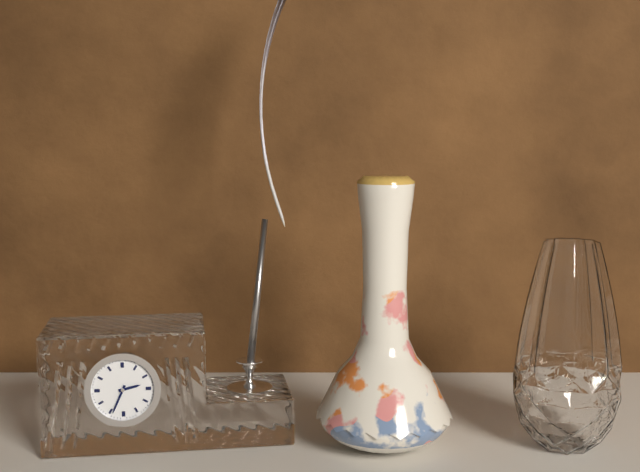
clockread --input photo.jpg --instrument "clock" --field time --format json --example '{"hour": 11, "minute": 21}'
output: {"hour": 2, "minute": 34}
